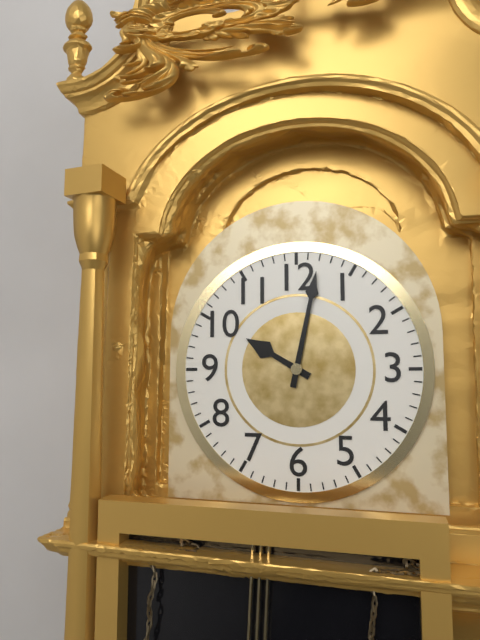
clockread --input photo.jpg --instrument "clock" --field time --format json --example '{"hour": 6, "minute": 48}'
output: {"hour": 10, "minute": 2}
